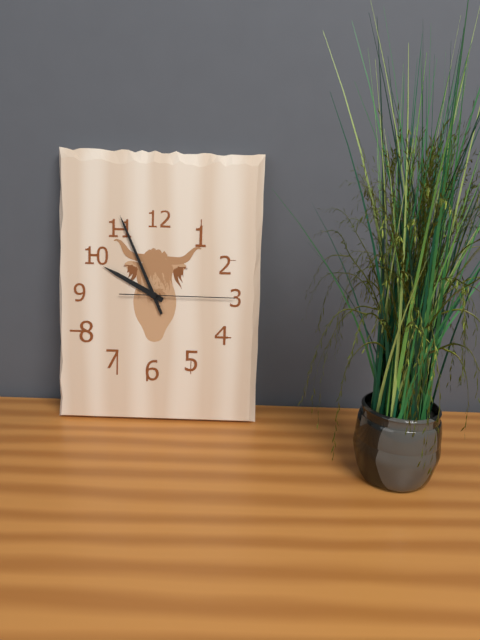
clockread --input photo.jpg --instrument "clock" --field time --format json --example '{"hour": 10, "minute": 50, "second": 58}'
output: {"hour": 9, "minute": 56, "second": 15}
